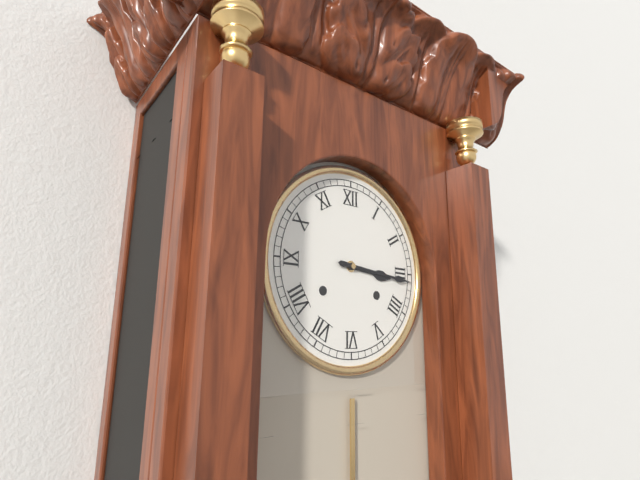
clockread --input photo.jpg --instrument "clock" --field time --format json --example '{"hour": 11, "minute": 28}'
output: {"hour": 3, "minute": 16}
